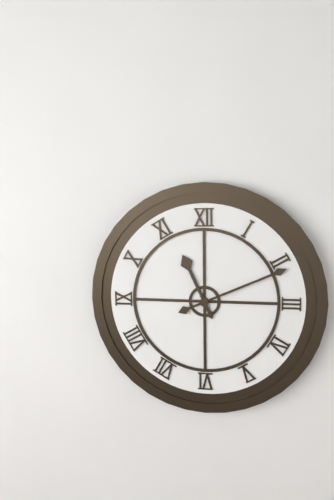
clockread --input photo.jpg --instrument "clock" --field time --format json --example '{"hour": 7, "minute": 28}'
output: {"hour": 11, "minute": 11}
